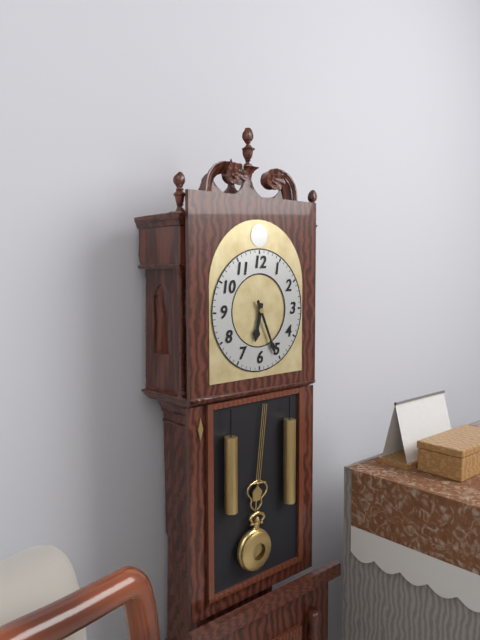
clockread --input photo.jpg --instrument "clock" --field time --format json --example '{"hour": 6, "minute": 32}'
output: {"hour": 6, "minute": 26}
